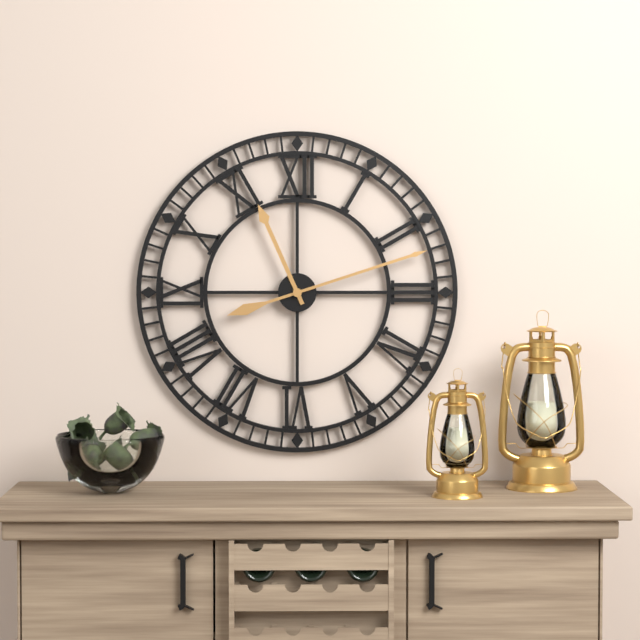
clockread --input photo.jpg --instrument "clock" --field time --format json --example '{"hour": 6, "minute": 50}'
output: {"hour": 11, "minute": 12}
